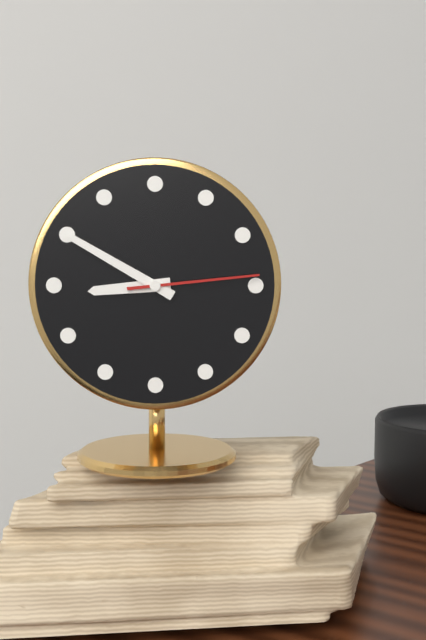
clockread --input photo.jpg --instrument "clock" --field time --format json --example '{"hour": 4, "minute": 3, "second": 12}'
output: {"hour": 8, "minute": 50, "second": 14}
